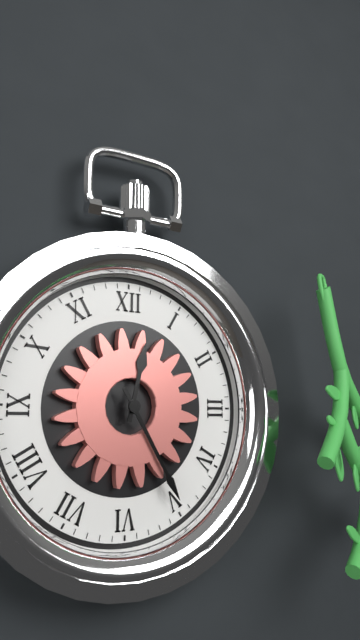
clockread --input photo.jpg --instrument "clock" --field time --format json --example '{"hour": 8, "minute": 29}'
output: {"hour": 12, "minute": 25}
